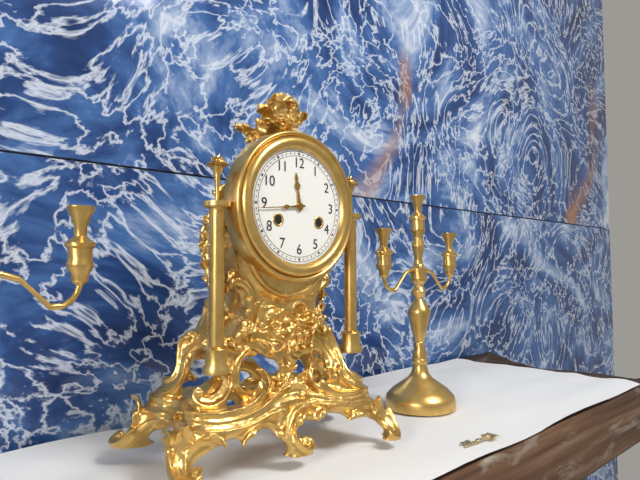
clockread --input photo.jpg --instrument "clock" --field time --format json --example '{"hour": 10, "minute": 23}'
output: {"hour": 11, "minute": 44}
